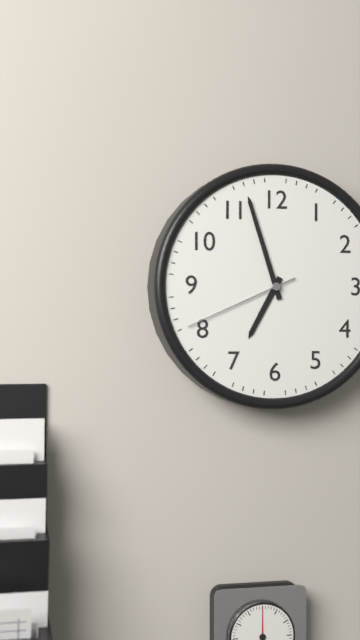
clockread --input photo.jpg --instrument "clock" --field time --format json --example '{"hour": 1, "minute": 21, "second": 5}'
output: {"hour": 6, "minute": 57, "second": 41}
